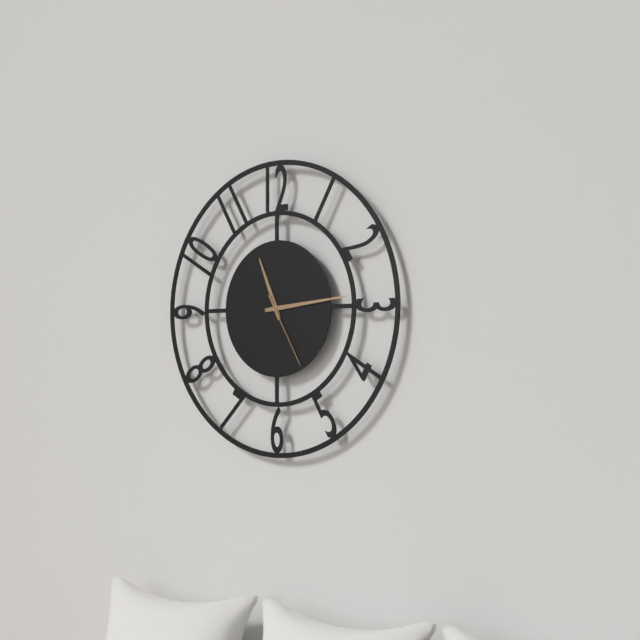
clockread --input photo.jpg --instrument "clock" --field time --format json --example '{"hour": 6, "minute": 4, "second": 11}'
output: {"hour": 11, "minute": 14, "second": 25}
